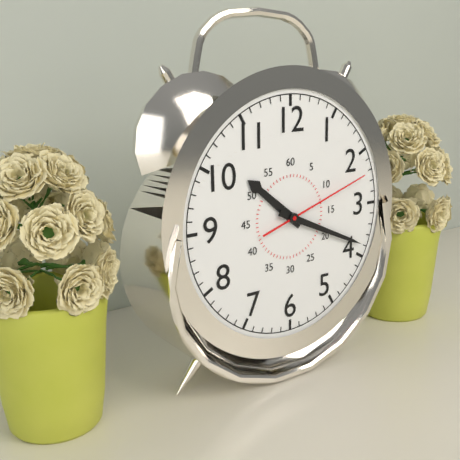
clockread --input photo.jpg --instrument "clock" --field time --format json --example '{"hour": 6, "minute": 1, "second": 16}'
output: {"hour": 10, "minute": 19, "second": 12}
